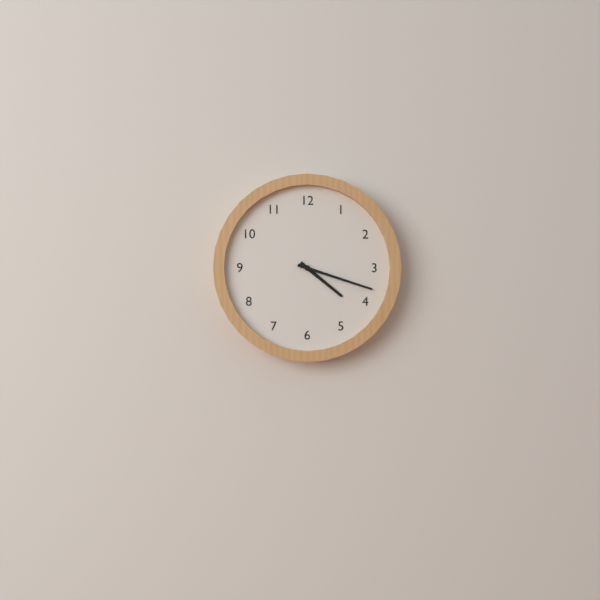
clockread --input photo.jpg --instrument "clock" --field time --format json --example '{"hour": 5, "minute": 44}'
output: {"hour": 4, "minute": 18}
